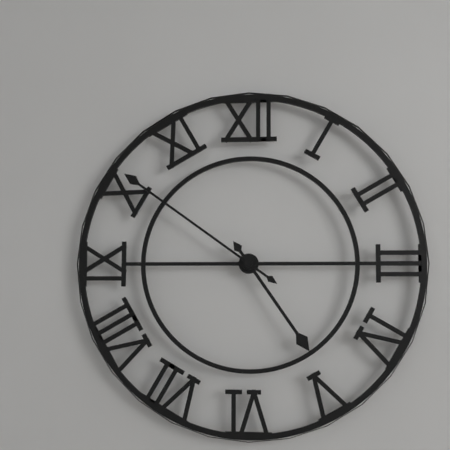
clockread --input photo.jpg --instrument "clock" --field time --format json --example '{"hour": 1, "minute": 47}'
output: {"hour": 4, "minute": 51}
